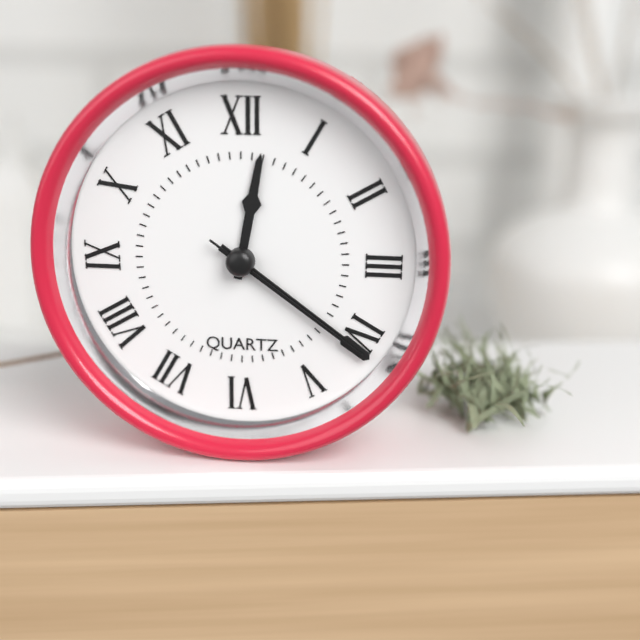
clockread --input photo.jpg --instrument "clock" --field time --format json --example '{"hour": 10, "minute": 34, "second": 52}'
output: {"hour": 12, "minute": 21, "second": 21}
